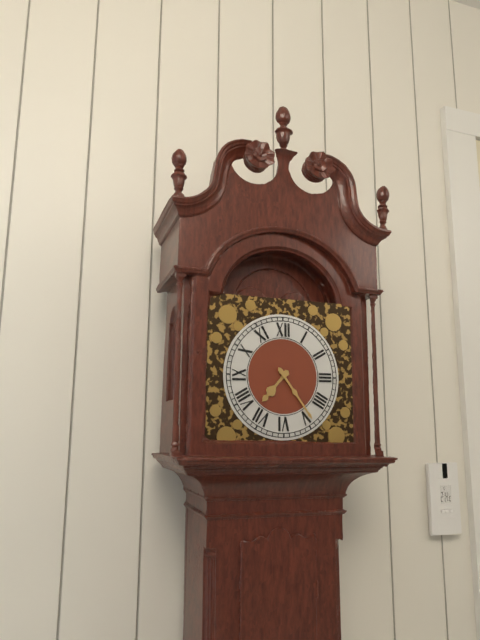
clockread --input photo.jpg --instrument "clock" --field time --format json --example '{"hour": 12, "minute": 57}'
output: {"hour": 7, "minute": 24}
